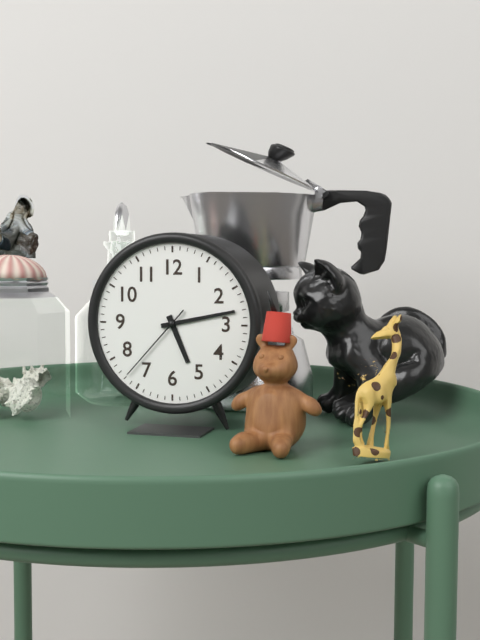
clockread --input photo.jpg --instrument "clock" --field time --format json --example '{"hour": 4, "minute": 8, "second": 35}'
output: {"hour": 5, "minute": 13, "second": 37}
